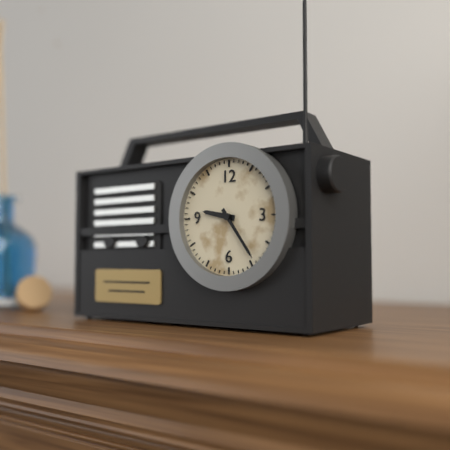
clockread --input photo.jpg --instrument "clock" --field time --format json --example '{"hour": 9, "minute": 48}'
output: {"hour": 9, "minute": 24}
